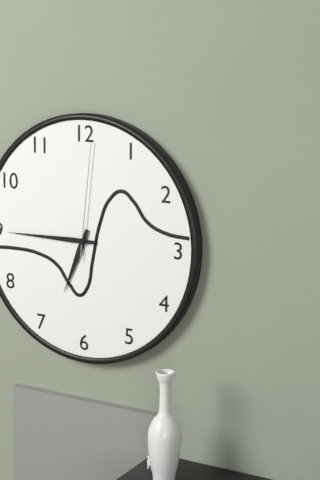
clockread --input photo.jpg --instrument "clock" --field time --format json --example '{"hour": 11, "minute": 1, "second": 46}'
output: {"hour": 6, "minute": 45, "second": 1}
